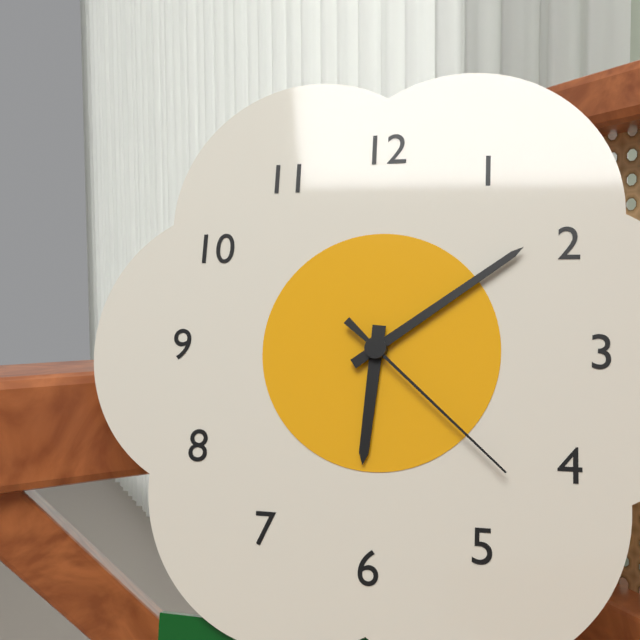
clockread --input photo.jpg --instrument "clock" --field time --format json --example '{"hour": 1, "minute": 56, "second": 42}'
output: {"hour": 6, "minute": 9, "second": 22}
